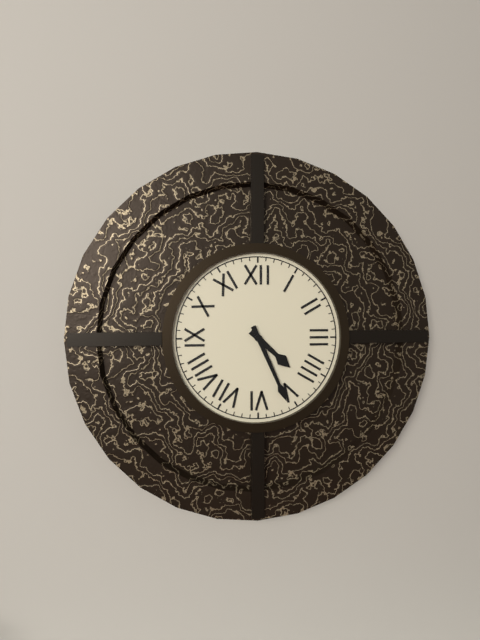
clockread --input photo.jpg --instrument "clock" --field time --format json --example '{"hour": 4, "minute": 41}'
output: {"hour": 4, "minute": 26}
